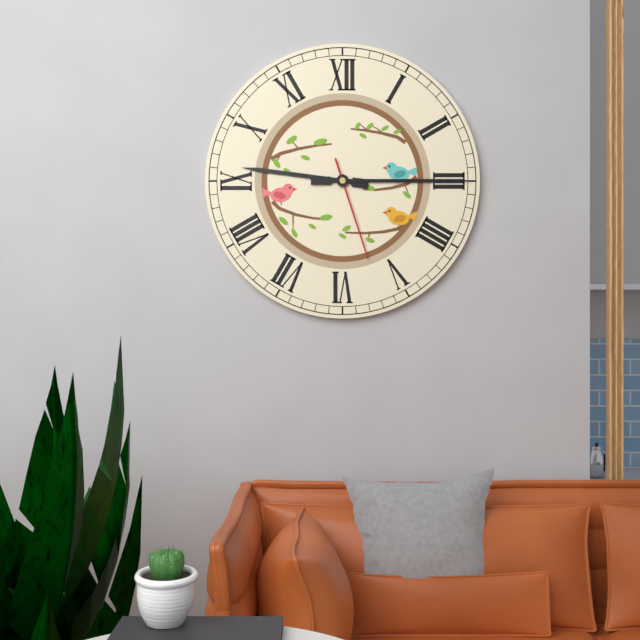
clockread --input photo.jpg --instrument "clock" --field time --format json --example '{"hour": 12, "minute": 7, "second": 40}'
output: {"hour": 9, "minute": 15, "second": 27}
